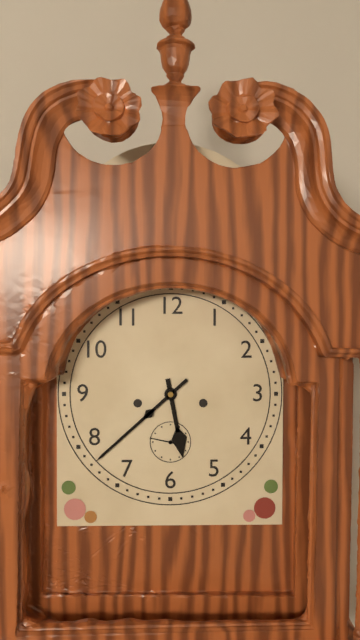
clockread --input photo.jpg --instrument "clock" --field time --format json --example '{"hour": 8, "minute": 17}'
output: {"hour": 5, "minute": 38}
